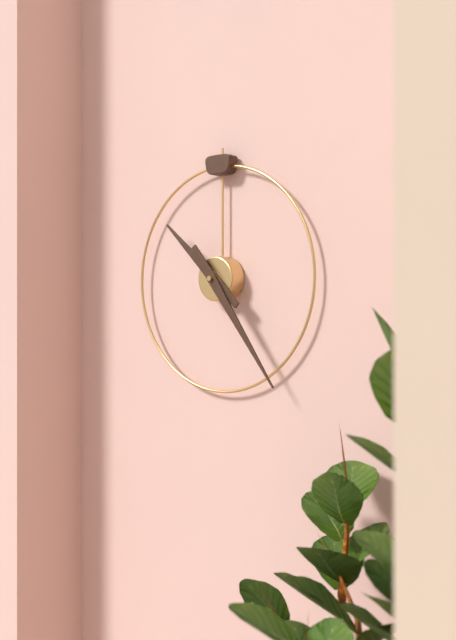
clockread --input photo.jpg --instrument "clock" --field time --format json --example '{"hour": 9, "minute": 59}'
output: {"hour": 10, "minute": 24}
